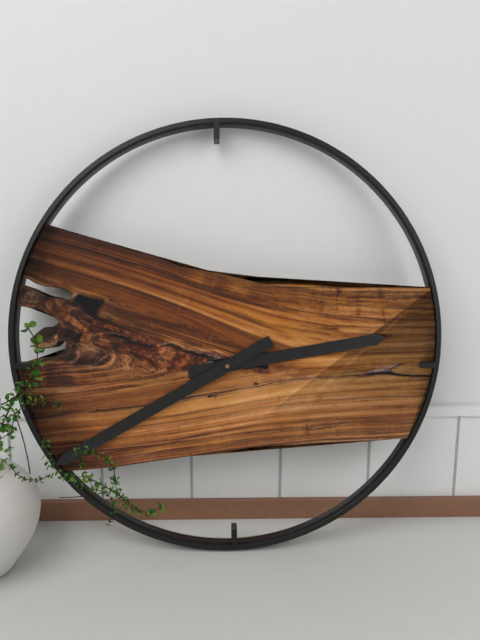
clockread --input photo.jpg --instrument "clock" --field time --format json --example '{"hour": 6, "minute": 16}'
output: {"hour": 2, "minute": 40}
